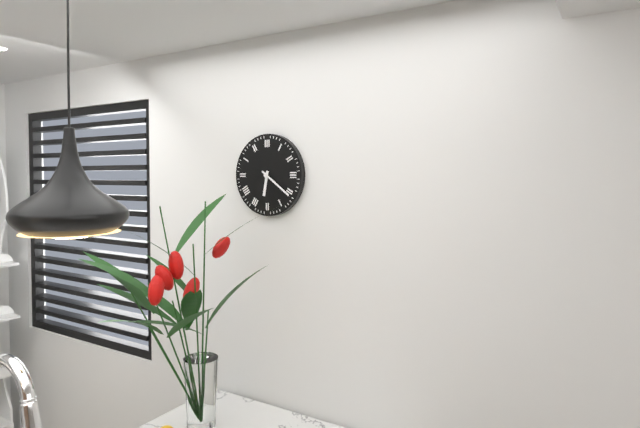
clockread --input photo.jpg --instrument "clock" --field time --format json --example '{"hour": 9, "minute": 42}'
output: {"hour": 6, "minute": 21}
